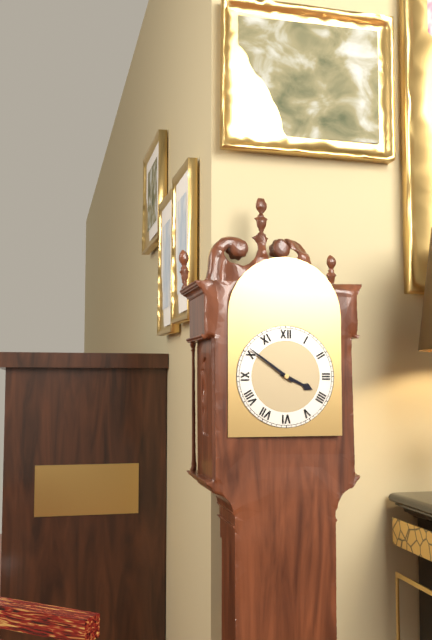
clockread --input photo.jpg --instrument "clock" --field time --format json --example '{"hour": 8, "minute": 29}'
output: {"hour": 3, "minute": 51}
